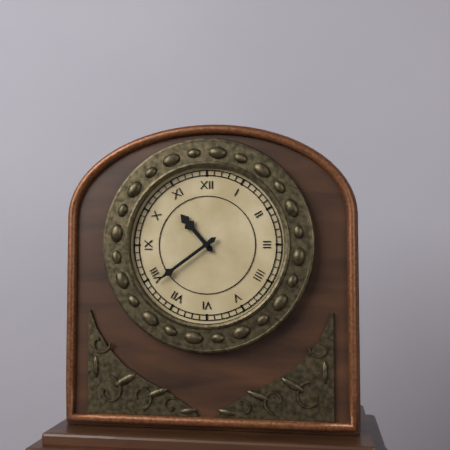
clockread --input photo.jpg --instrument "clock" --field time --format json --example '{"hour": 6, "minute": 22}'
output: {"hour": 10, "minute": 39}
